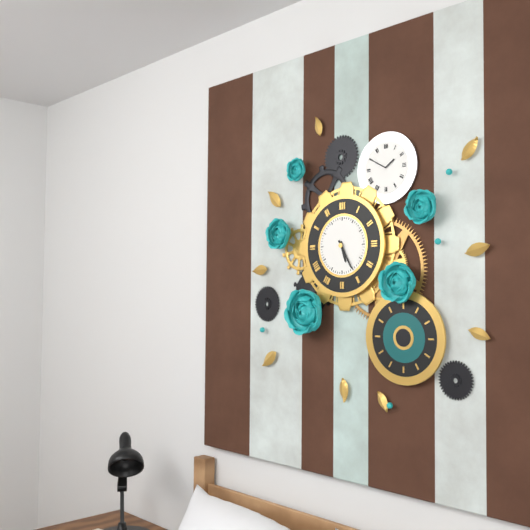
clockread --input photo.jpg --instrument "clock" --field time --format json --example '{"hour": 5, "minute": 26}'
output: {"hour": 5, "minute": 25}
